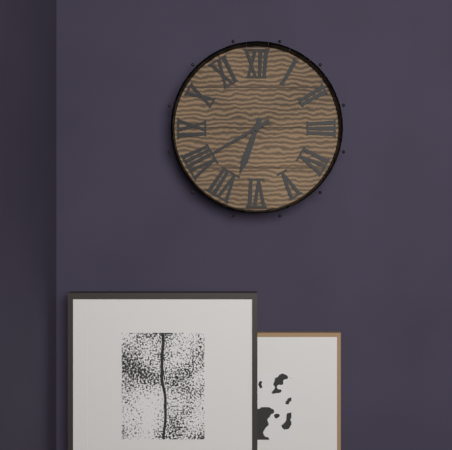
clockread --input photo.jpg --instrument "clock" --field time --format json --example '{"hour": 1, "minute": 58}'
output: {"hour": 6, "minute": 40}
